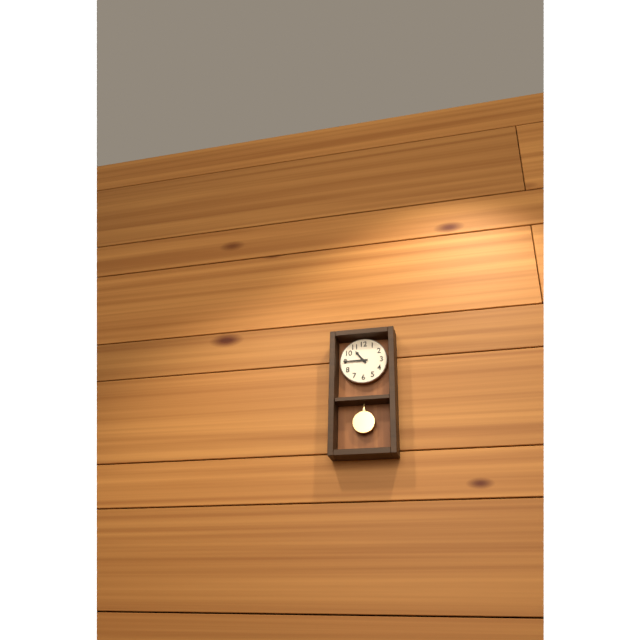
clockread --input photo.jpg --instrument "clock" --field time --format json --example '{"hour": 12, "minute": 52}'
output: {"hour": 10, "minute": 45}
